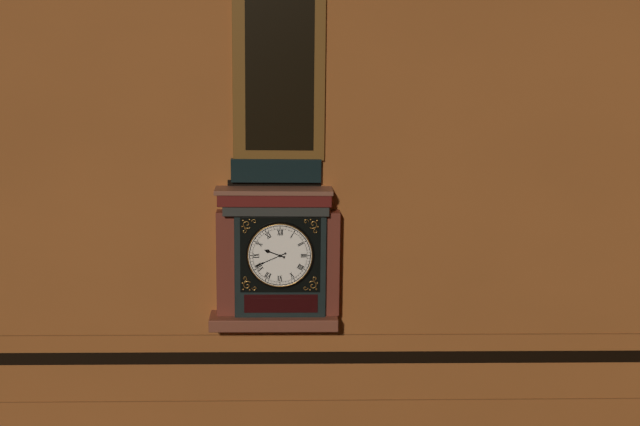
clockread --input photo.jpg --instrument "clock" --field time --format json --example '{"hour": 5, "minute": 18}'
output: {"hour": 9, "minute": 41}
